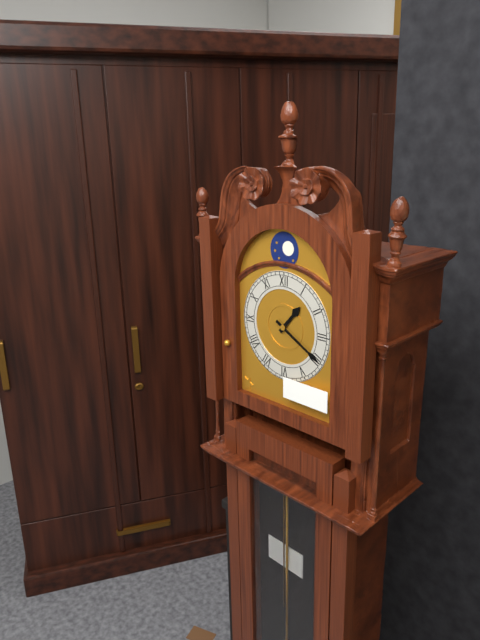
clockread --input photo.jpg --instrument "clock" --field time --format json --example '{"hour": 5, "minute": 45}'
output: {"hour": 1, "minute": 20}
